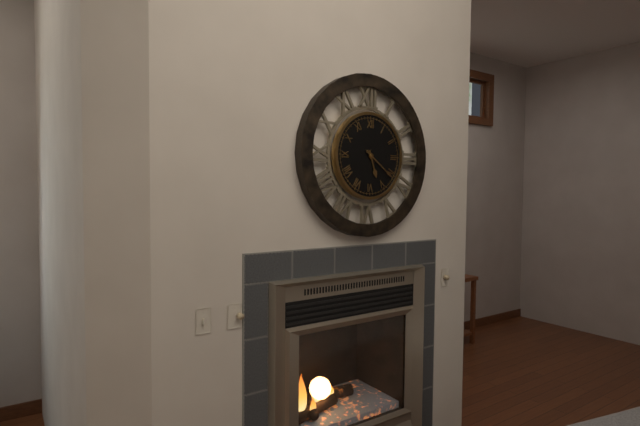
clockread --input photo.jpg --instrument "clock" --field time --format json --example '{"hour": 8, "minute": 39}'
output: {"hour": 5, "minute": 21}
